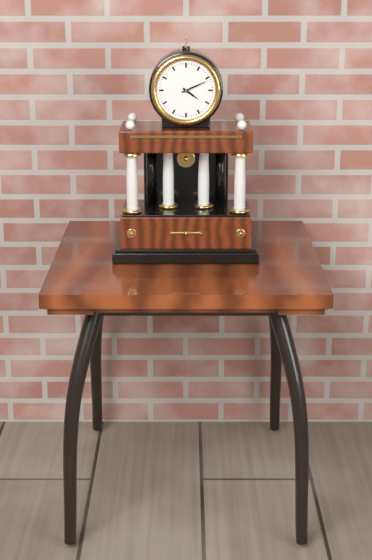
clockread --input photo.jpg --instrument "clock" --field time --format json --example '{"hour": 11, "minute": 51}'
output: {"hour": 4, "minute": 11}
